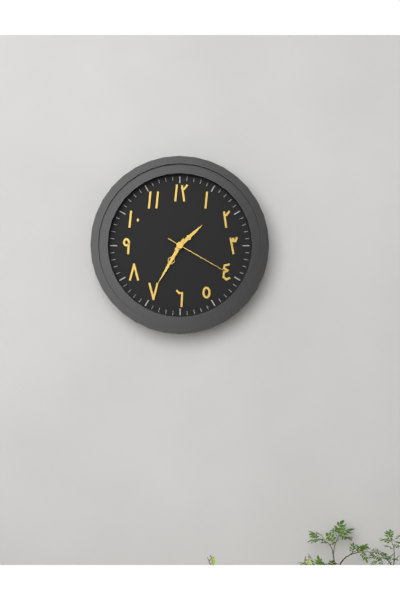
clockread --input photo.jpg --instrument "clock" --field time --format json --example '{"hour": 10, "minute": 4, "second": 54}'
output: {"hour": 1, "minute": 35, "second": 20}
